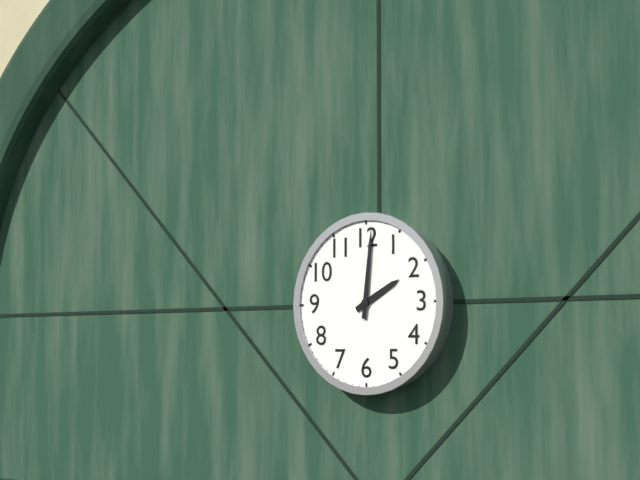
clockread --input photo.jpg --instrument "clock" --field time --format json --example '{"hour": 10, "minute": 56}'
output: {"hour": 2, "minute": 1}
